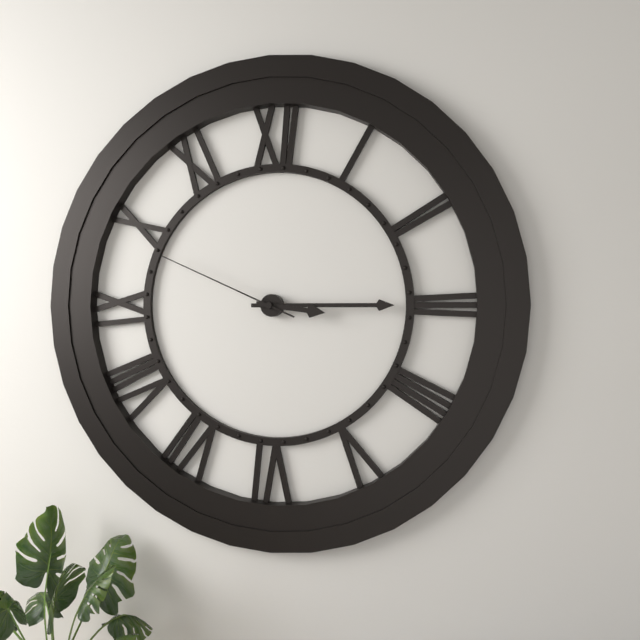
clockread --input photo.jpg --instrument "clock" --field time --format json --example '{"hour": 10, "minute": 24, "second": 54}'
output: {"hour": 3, "minute": 15, "second": 49}
